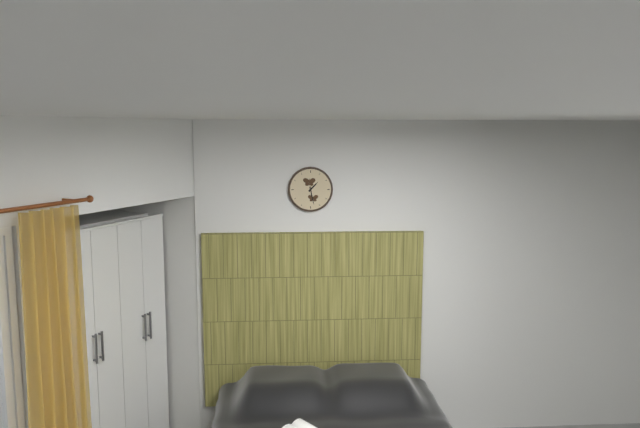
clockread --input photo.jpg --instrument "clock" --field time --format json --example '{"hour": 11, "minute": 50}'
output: {"hour": 1, "minute": 28}
